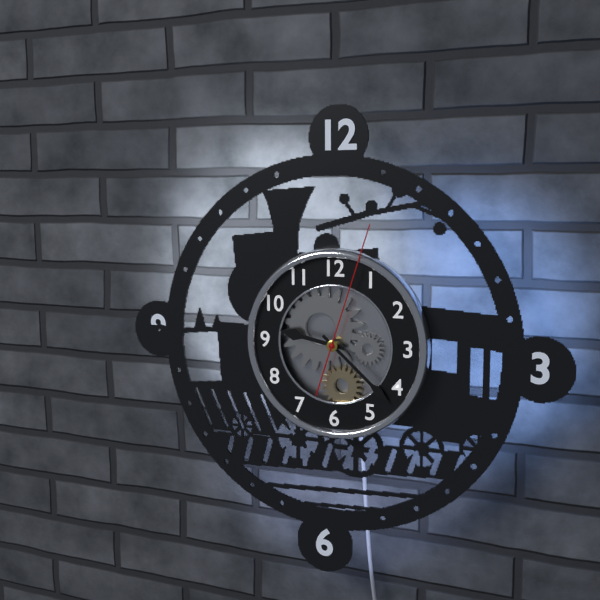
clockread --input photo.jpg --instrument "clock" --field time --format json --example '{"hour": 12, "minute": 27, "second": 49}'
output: {"hour": 9, "minute": 22, "second": 3}
